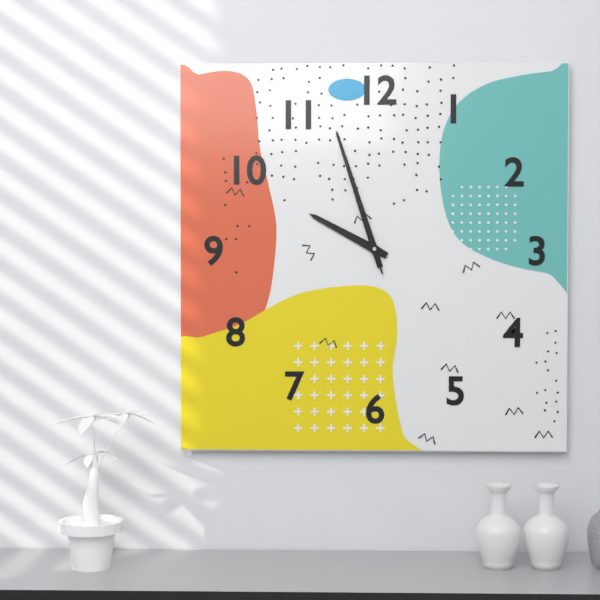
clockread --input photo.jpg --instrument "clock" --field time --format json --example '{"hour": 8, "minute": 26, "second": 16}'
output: {"hour": 9, "minute": 57, "second": 57}
